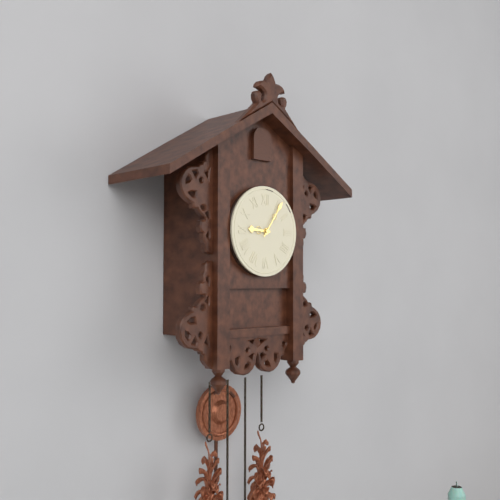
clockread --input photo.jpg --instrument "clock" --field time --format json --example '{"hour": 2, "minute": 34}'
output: {"hour": 9, "minute": 6}
